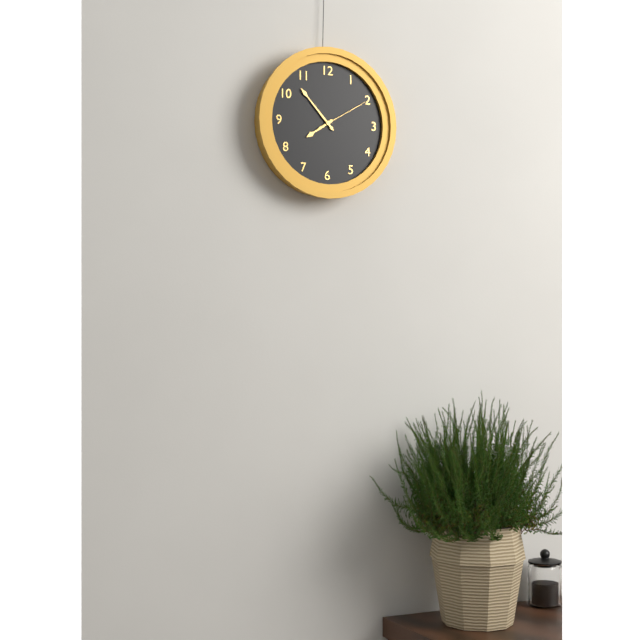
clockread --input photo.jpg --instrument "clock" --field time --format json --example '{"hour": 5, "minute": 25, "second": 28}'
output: {"hour": 7, "minute": 53, "second": 10}
